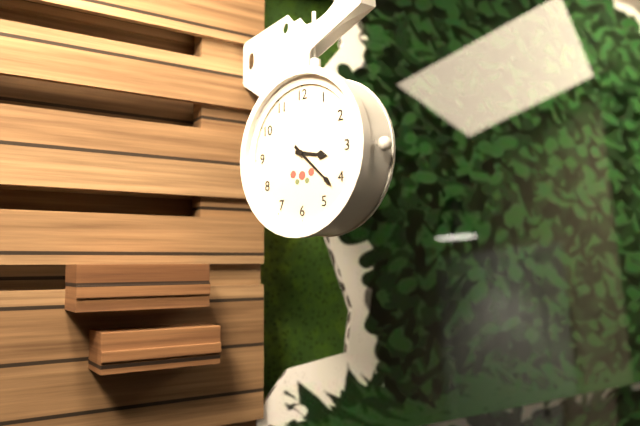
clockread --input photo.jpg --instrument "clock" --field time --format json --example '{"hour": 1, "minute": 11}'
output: {"hour": 3, "minute": 22}
